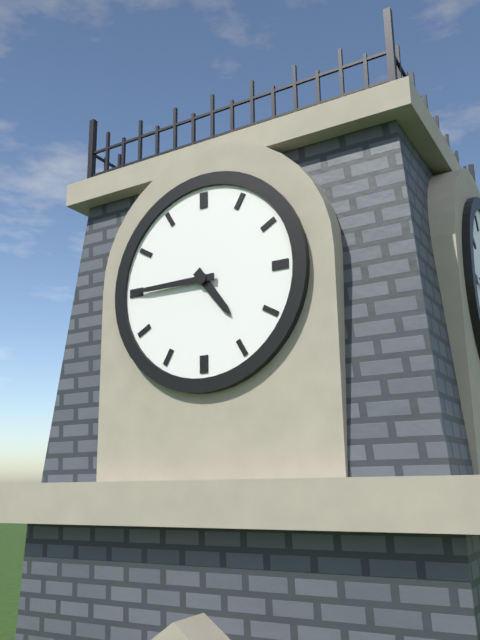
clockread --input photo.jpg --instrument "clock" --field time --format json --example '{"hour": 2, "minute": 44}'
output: {"hour": 4, "minute": 45}
